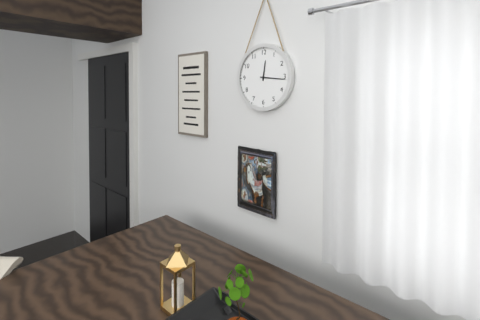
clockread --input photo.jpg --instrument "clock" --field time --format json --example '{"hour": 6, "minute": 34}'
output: {"hour": 12, "minute": 16}
